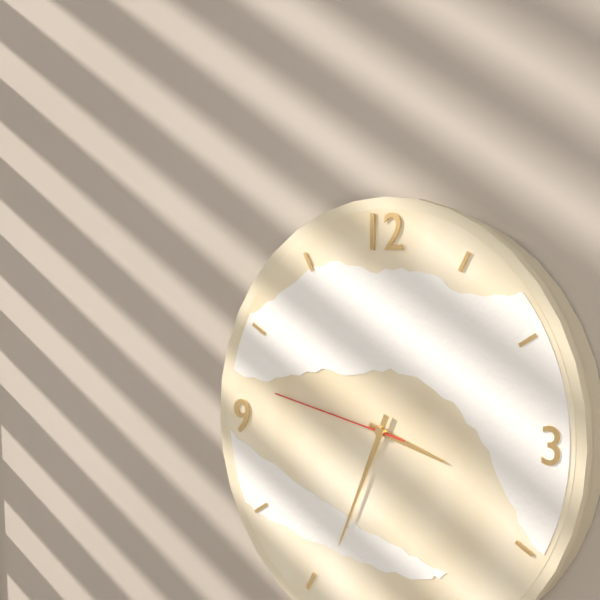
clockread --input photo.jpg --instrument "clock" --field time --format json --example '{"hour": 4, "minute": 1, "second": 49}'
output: {"hour": 3, "minute": 34, "second": 47}
